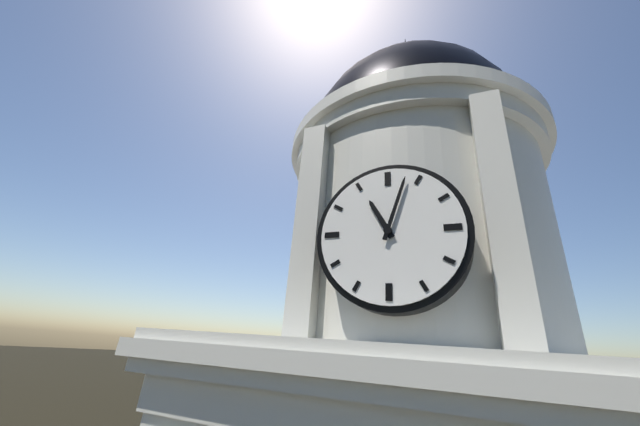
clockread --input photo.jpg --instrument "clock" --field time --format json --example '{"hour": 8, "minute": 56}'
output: {"hour": 11, "minute": 3}
